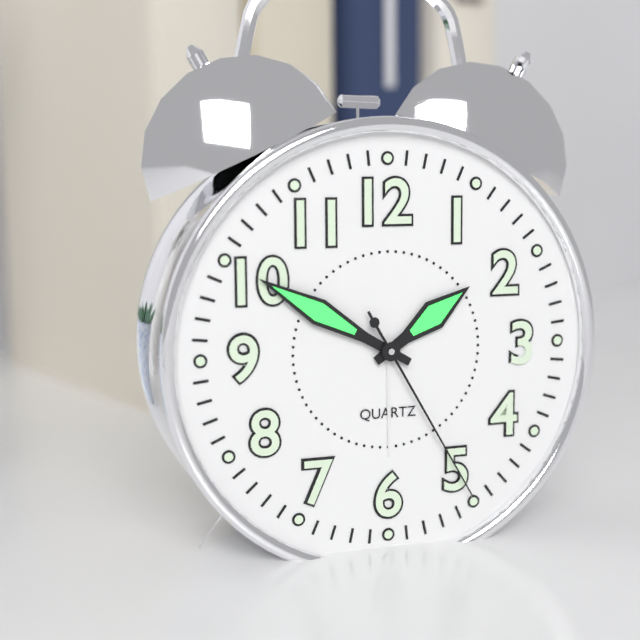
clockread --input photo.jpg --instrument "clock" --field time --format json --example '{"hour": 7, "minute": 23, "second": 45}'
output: {"hour": 1, "minute": 50, "second": 25}
